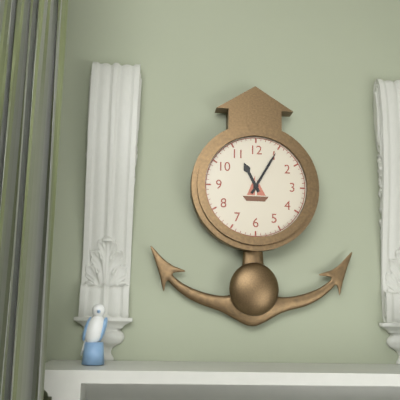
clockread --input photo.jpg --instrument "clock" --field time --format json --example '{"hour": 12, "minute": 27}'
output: {"hour": 11, "minute": 5}
